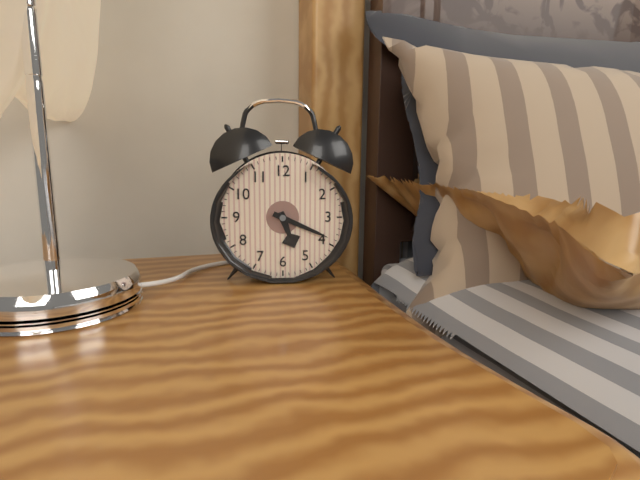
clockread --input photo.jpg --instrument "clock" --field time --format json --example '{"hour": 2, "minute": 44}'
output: {"hour": 5, "minute": 19}
